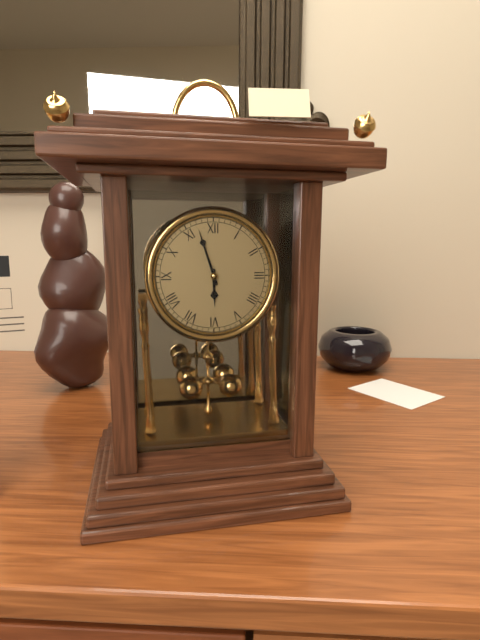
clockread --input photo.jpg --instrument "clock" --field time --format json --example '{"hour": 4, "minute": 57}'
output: {"hour": 5, "minute": 57}
